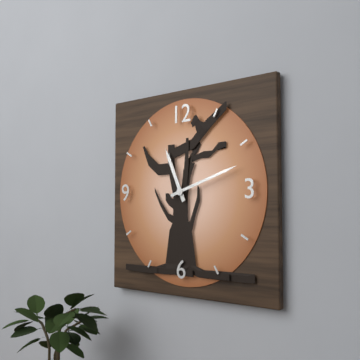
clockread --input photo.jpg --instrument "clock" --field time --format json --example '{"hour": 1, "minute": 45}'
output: {"hour": 11, "minute": 12}
